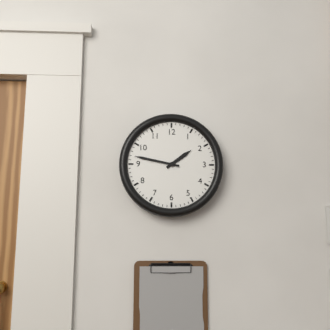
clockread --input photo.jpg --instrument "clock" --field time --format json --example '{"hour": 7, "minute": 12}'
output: {"hour": 1, "minute": 47}
